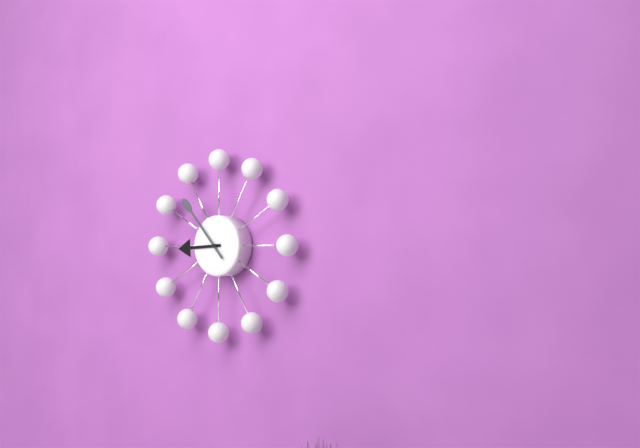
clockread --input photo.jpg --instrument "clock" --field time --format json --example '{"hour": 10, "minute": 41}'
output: {"hour": 8, "minute": 53}
